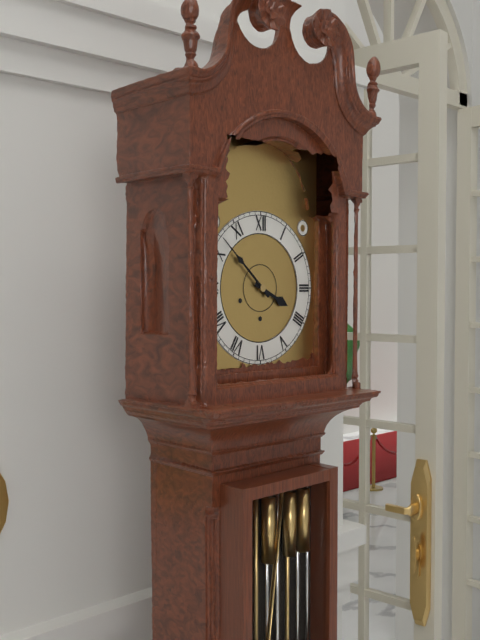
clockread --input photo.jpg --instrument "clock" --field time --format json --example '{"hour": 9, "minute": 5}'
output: {"hour": 3, "minute": 52}
